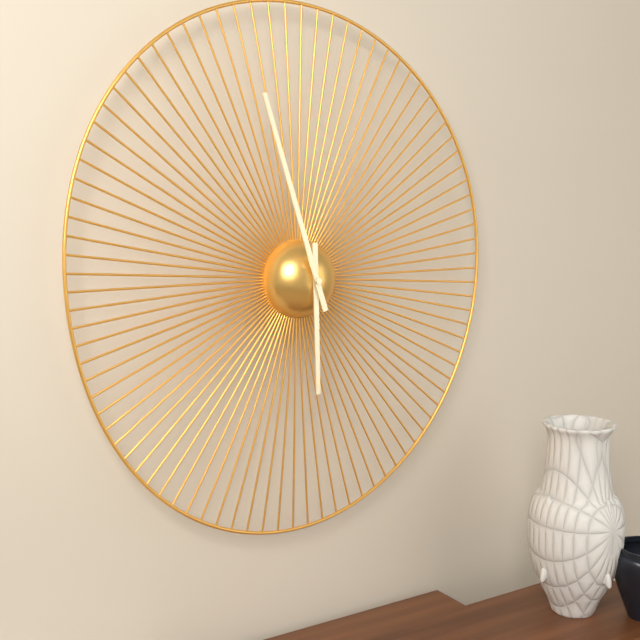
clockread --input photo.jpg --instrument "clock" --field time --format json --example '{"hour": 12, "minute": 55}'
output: {"hour": 5, "minute": 57}
